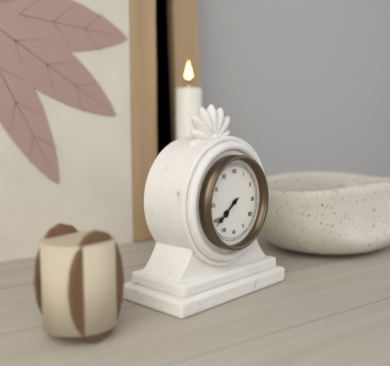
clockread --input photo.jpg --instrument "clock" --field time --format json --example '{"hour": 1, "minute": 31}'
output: {"hour": 7, "minute": 39}
